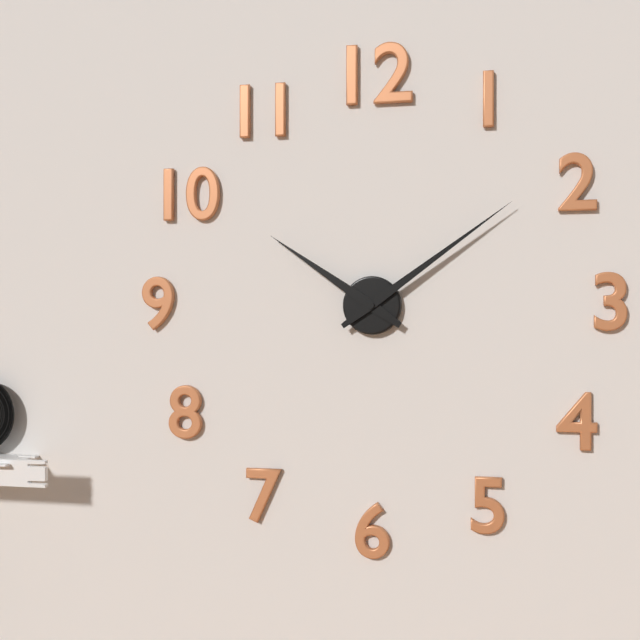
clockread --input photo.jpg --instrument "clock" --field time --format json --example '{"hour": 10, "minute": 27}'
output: {"hour": 10, "minute": 9}
